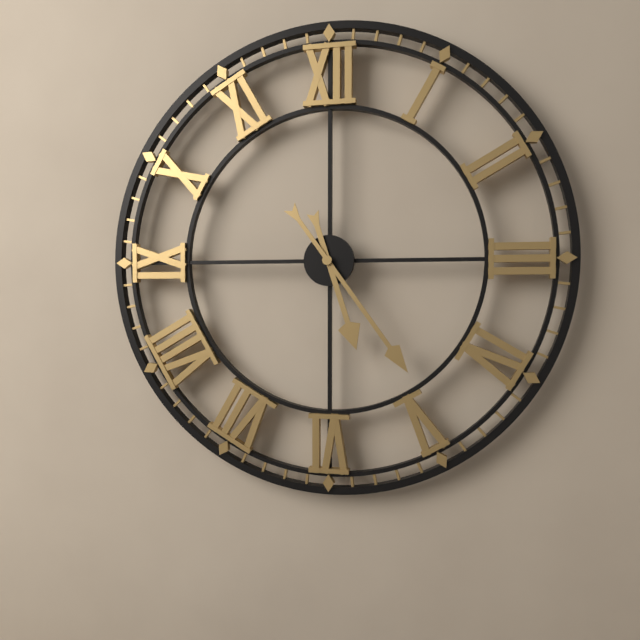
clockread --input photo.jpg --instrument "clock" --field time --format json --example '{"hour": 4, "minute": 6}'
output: {"hour": 5, "minute": 24}
